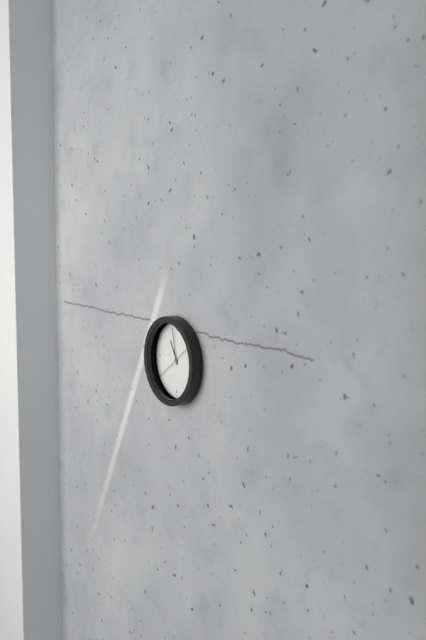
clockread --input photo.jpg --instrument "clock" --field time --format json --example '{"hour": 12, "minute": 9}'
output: {"hour": 10, "minute": 58}
